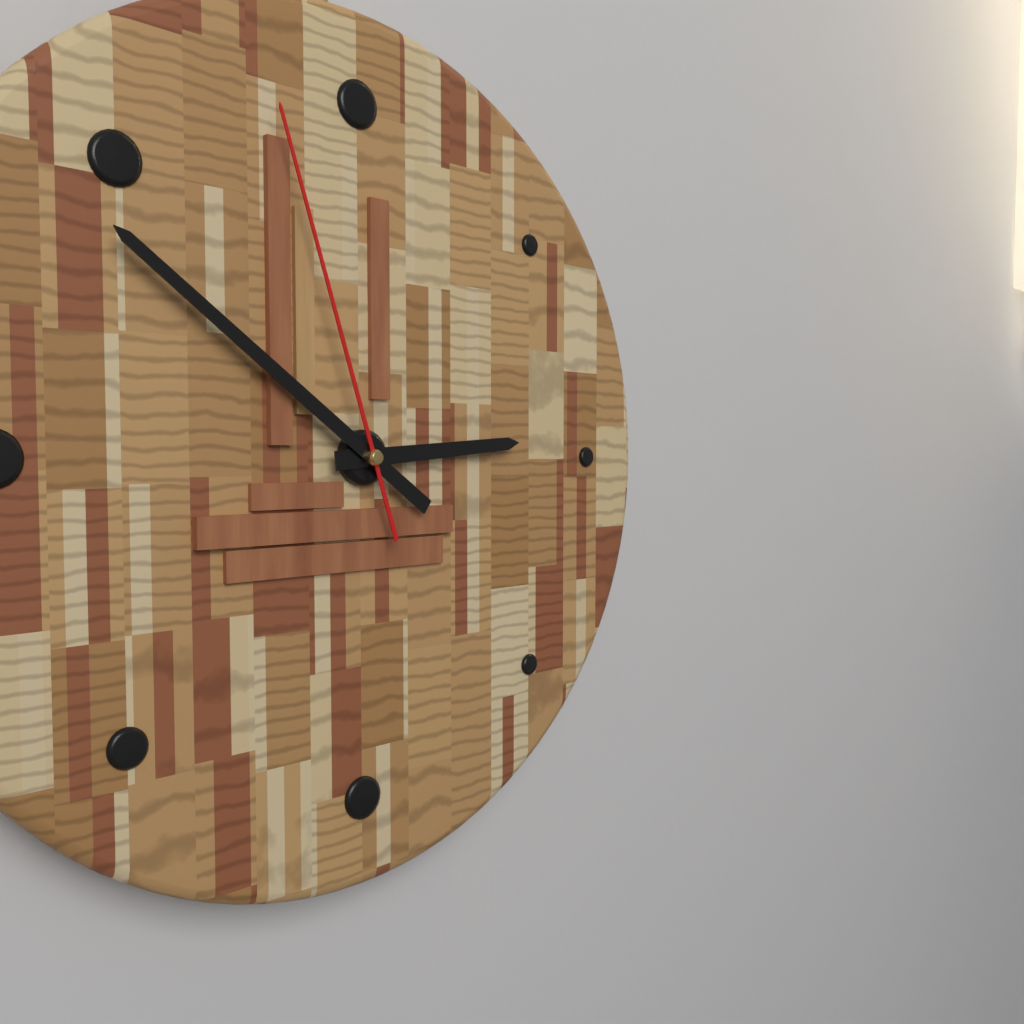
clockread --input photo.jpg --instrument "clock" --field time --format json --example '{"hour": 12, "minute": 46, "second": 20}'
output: {"hour": 2, "minute": 51, "second": 57}
